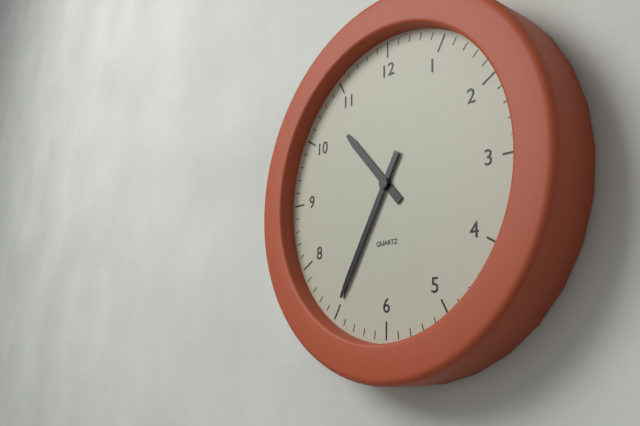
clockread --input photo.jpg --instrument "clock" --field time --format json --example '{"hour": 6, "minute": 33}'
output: {"hour": 10, "minute": 35}
